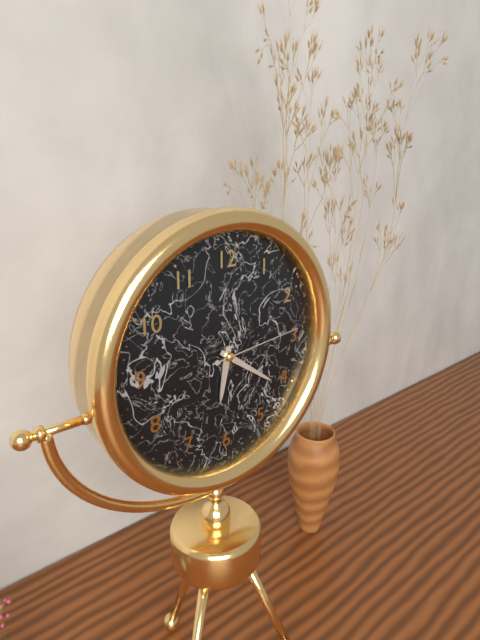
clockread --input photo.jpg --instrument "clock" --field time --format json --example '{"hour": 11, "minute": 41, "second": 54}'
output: {"hour": 6, "minute": 21, "second": 14}
